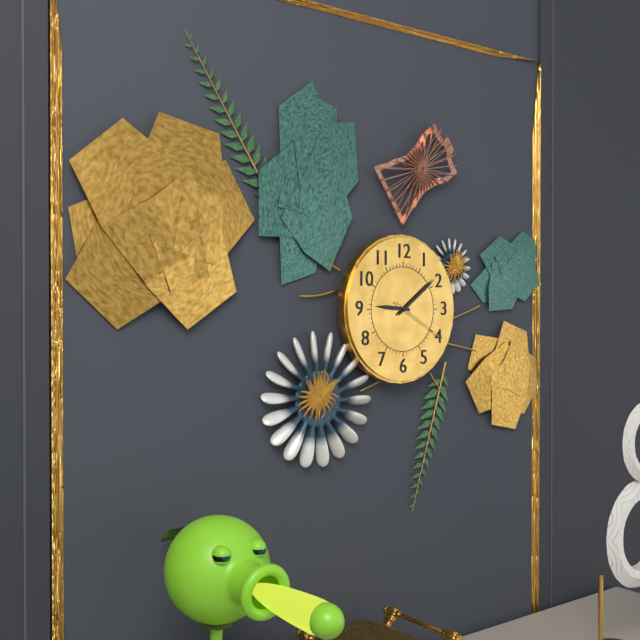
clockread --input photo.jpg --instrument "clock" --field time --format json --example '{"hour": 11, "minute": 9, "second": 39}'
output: {"hour": 9, "minute": 9, "second": 20}
